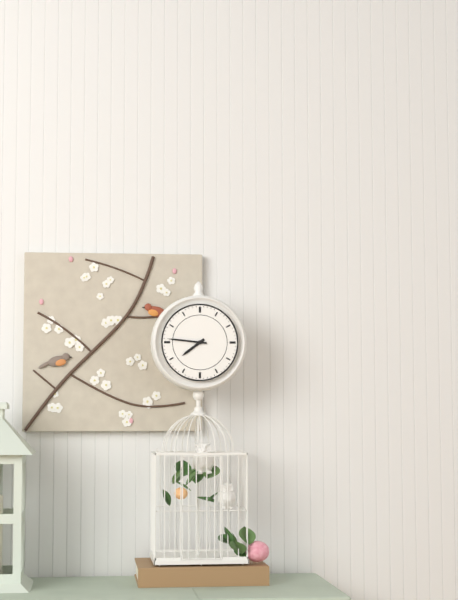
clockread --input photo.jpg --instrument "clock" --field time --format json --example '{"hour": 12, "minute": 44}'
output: {"hour": 7, "minute": 46}
